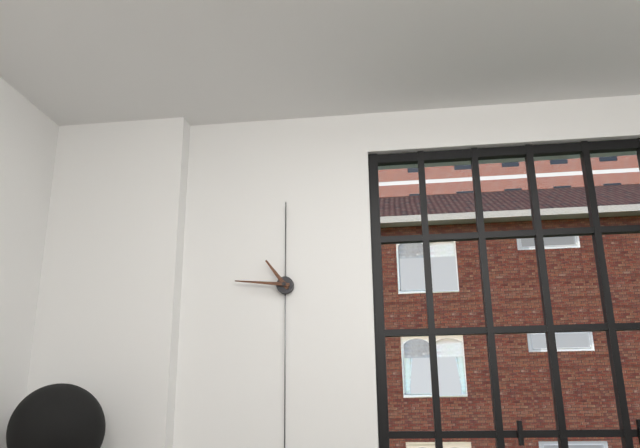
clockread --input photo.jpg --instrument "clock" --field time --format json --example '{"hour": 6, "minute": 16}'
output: {"hour": 10, "minute": 46}
